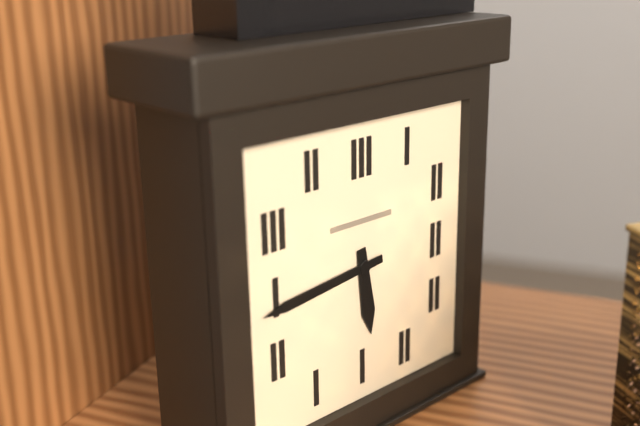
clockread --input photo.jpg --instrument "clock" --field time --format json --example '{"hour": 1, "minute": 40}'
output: {"hour": 5, "minute": 44}
